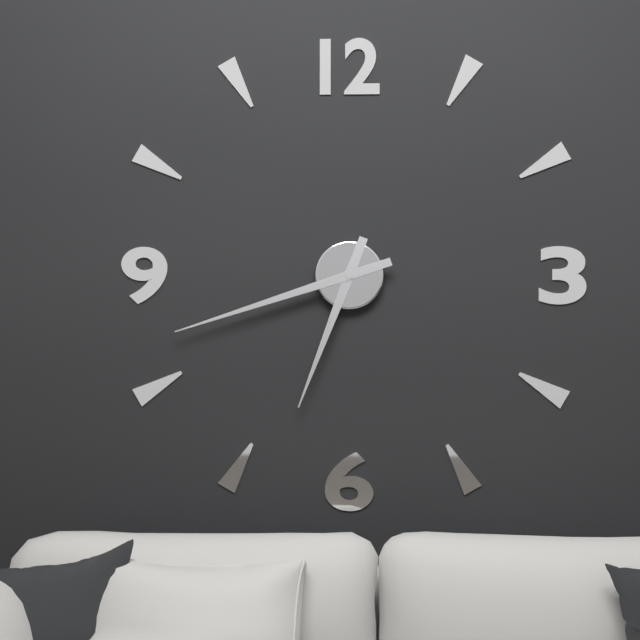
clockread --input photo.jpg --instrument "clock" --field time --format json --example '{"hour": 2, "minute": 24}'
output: {"hour": 6, "minute": 42}
